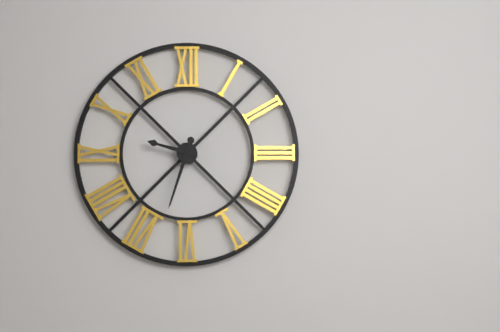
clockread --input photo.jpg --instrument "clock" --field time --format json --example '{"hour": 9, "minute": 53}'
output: {"hour": 9, "minute": 33}
